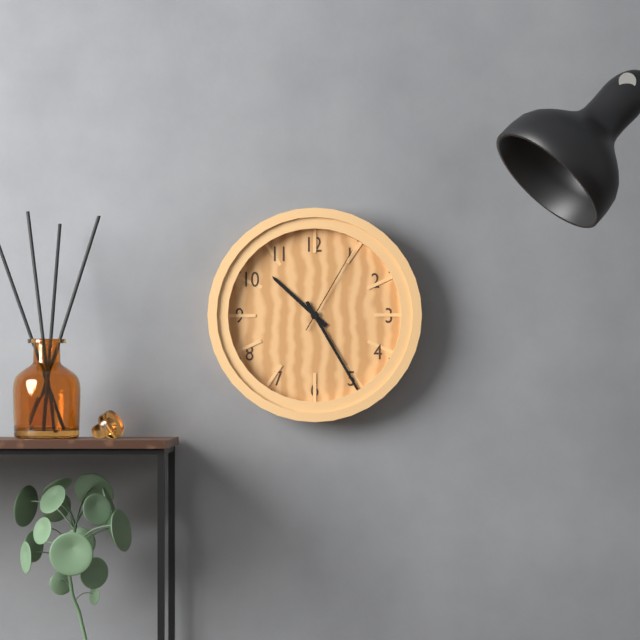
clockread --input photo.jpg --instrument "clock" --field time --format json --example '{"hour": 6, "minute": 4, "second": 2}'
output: {"hour": 10, "minute": 25, "second": 5}
